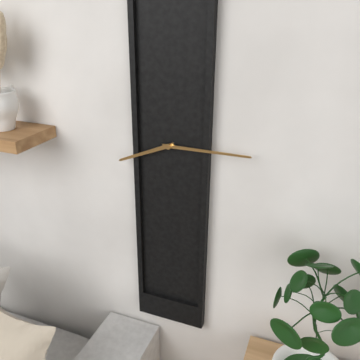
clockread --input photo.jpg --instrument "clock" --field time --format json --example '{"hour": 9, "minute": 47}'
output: {"hour": 8, "minute": 15}
